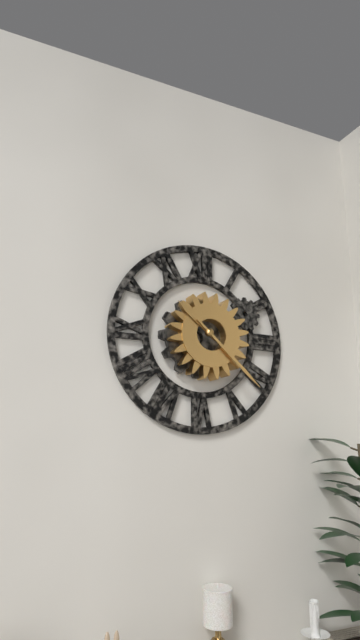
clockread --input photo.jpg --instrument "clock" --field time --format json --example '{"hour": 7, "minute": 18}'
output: {"hour": 10, "minute": 22}
